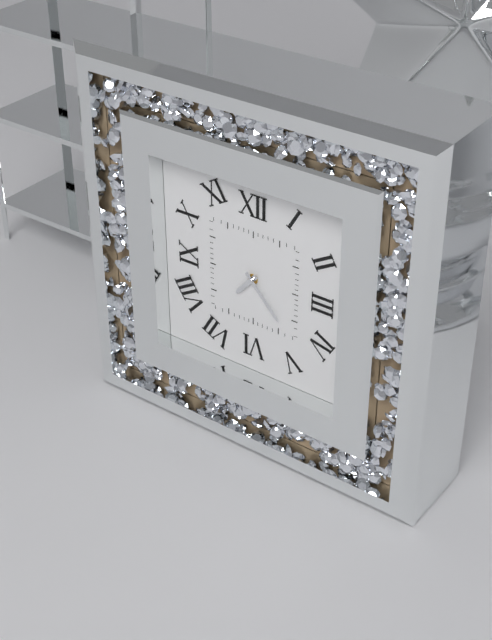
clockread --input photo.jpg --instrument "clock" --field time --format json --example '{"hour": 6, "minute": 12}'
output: {"hour": 7, "minute": 23}
